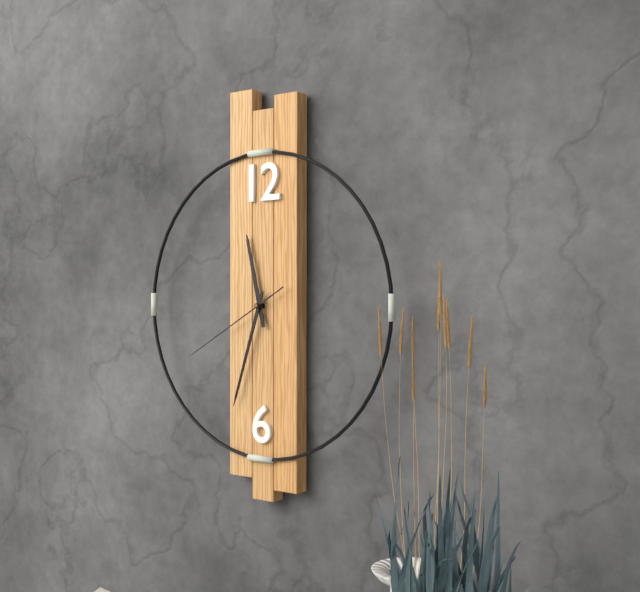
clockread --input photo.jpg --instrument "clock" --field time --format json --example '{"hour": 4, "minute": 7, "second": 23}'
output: {"hour": 11, "minute": 33, "second": 40}
